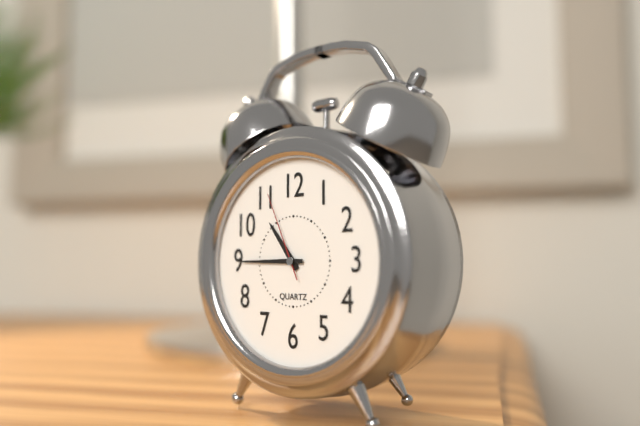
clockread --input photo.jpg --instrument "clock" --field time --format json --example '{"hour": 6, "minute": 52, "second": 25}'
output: {"hour": 10, "minute": 45, "second": 56}
